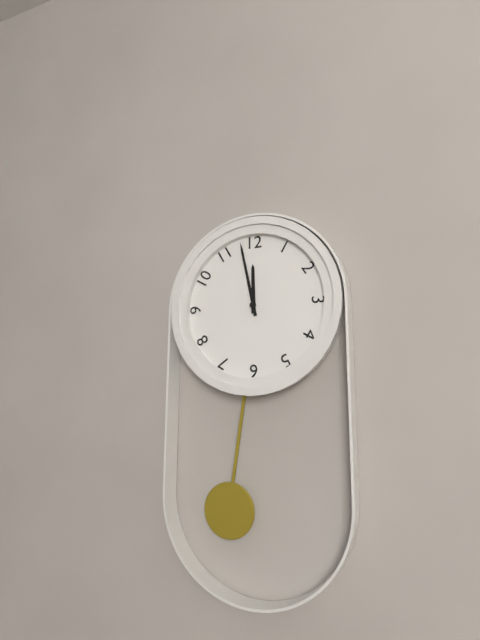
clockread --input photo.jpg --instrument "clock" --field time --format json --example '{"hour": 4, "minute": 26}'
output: {"hour": 11, "minute": 58}
